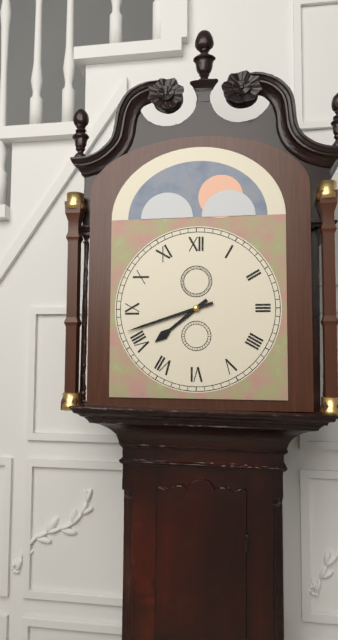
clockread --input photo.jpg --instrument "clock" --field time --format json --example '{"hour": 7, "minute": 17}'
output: {"hour": 7, "minute": 42}
